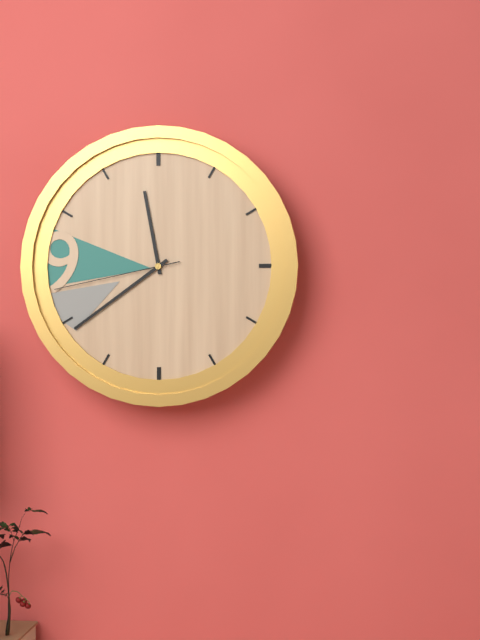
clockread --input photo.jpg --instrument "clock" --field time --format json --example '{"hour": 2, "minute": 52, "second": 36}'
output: {"hour": 11, "minute": 39, "second": 43}
